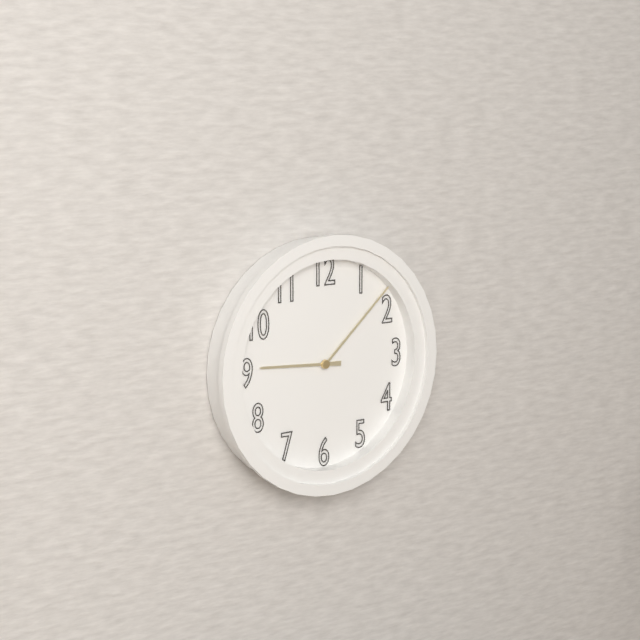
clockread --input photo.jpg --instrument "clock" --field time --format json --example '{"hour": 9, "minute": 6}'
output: {"hour": 9, "minute": 8}
